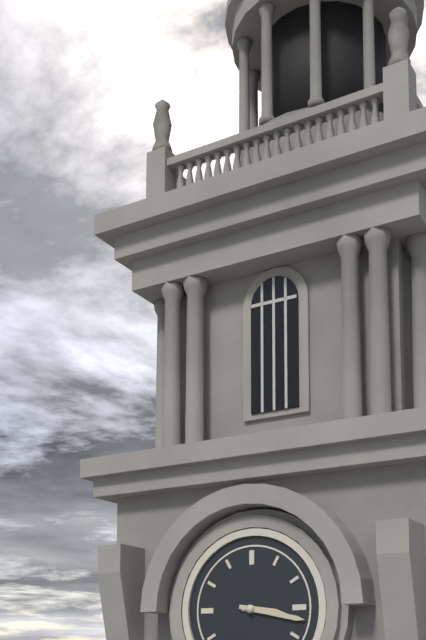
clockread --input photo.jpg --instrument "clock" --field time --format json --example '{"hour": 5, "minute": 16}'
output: {"hour": 3, "minute": 17}
